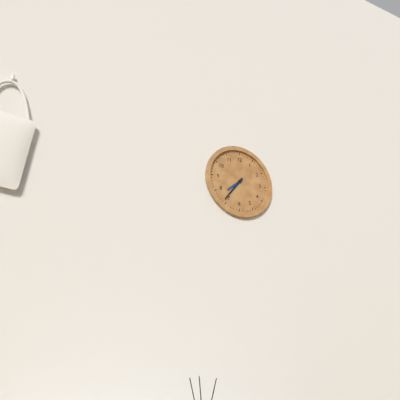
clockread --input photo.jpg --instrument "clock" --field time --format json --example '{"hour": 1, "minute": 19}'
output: {"hour": 7, "minute": 36}
